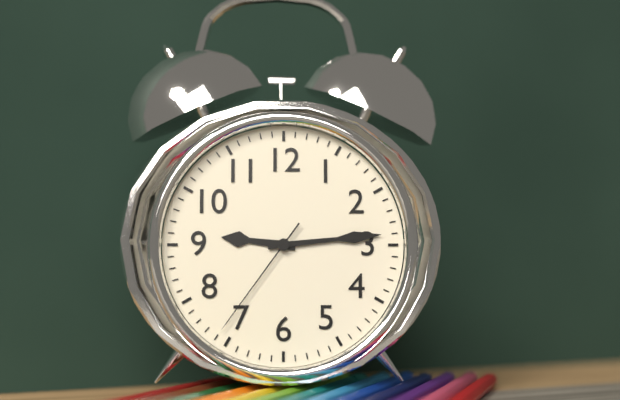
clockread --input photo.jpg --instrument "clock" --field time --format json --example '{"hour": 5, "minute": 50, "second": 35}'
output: {"hour": 9, "minute": 14, "second": 36}
